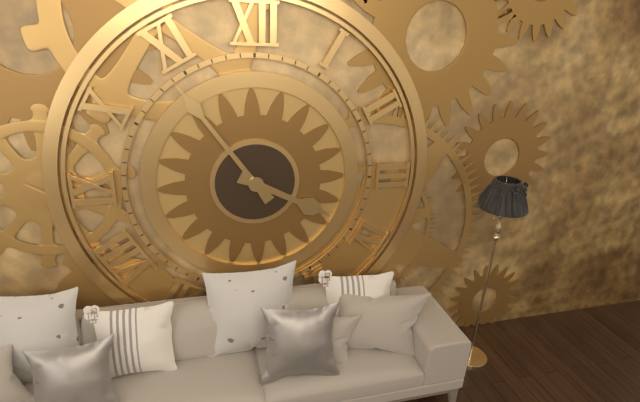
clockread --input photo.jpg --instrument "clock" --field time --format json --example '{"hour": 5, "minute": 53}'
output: {"hour": 3, "minute": 54}
